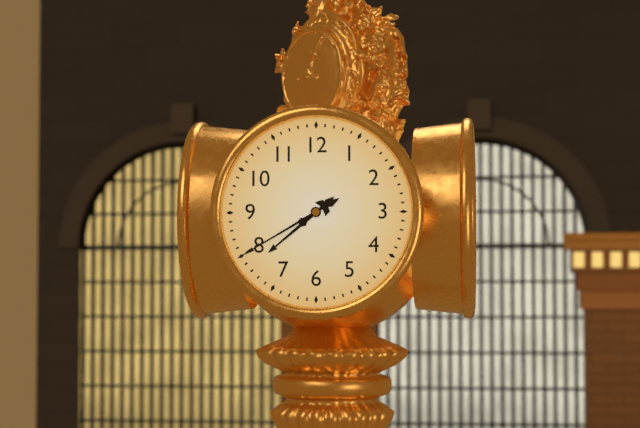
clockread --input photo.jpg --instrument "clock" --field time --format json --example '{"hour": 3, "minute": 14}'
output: {"hour": 7, "minute": 40}
